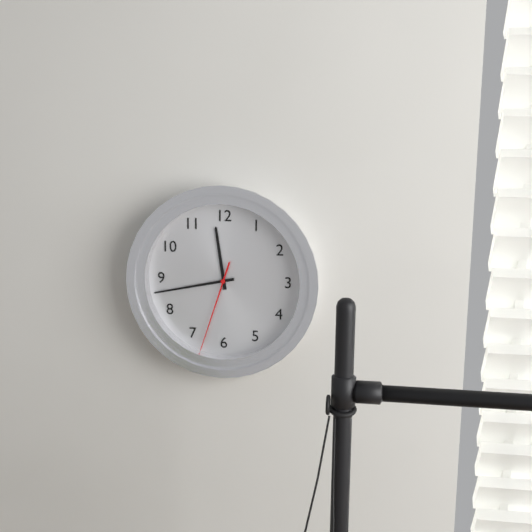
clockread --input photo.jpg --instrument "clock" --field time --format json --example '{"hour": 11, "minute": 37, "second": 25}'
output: {"hour": 11, "minute": 43, "second": 33}
